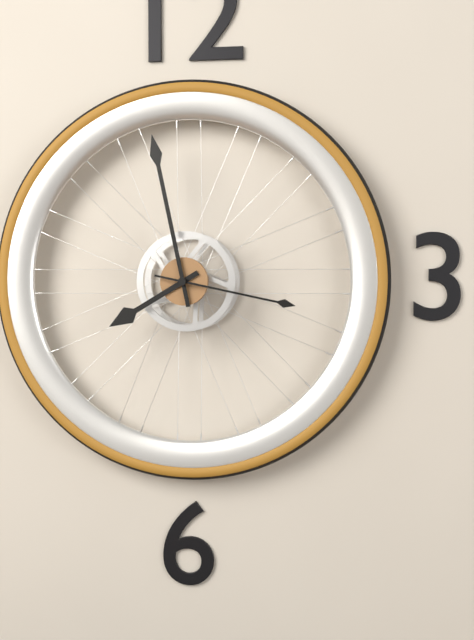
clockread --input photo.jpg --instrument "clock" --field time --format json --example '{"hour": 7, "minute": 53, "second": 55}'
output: {"hour": 7, "minute": 58, "second": 17}
